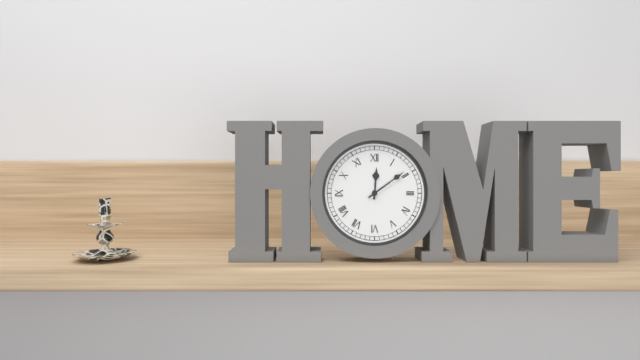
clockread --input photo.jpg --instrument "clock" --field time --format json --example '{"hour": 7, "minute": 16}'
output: {"hour": 12, "minute": 9}
